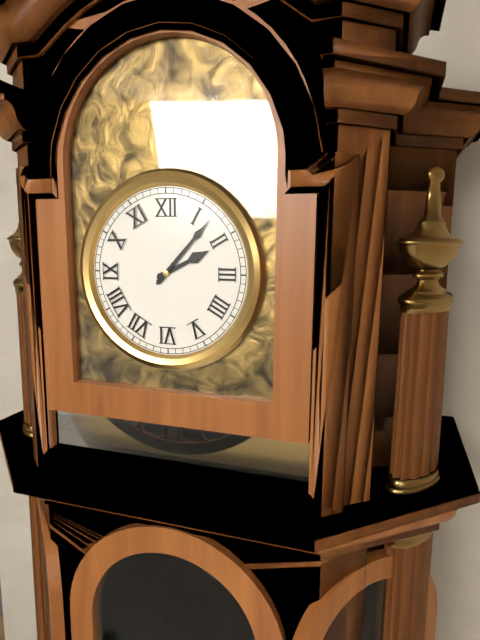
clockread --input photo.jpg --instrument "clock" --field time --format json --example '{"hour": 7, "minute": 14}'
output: {"hour": 2, "minute": 7}
